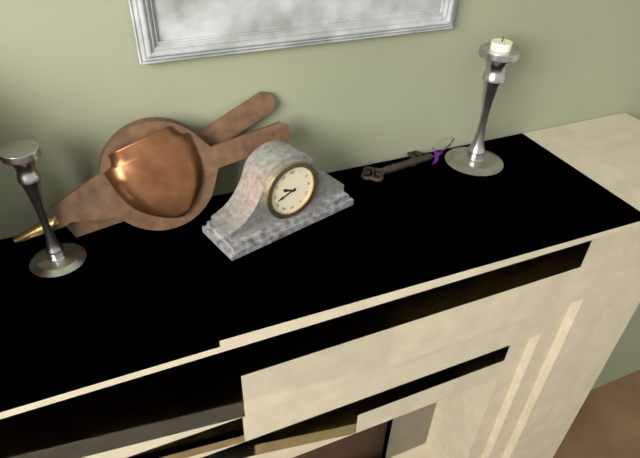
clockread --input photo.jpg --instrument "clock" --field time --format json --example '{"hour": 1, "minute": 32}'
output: {"hour": 9, "minute": 42}
